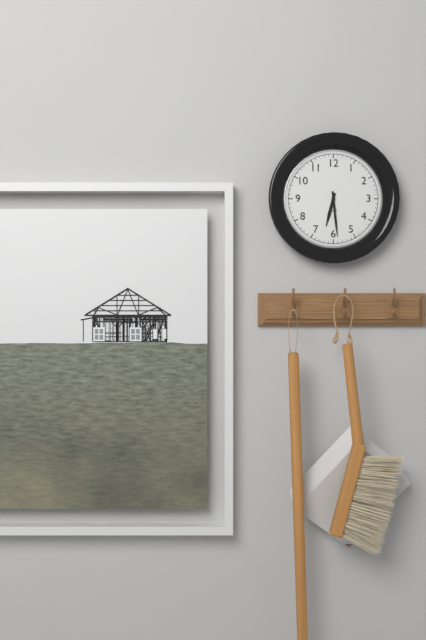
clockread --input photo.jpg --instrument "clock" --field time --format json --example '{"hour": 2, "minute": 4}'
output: {"hour": 6, "minute": 29}
